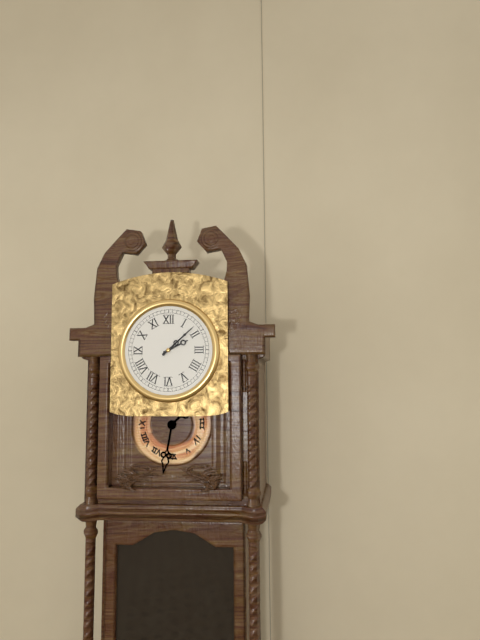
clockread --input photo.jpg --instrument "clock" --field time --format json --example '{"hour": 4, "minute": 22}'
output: {"hour": 2, "minute": 8}
